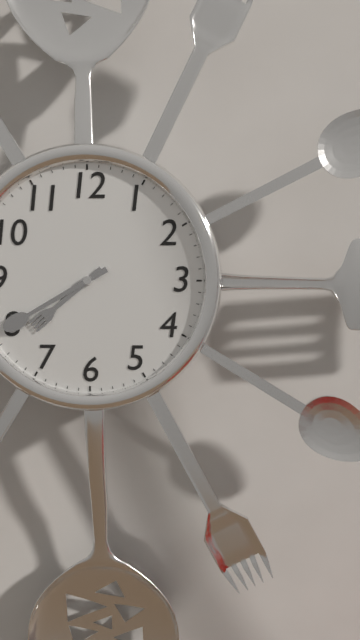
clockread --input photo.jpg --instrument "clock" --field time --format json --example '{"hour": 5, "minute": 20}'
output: {"hour": 7, "minute": 40}
